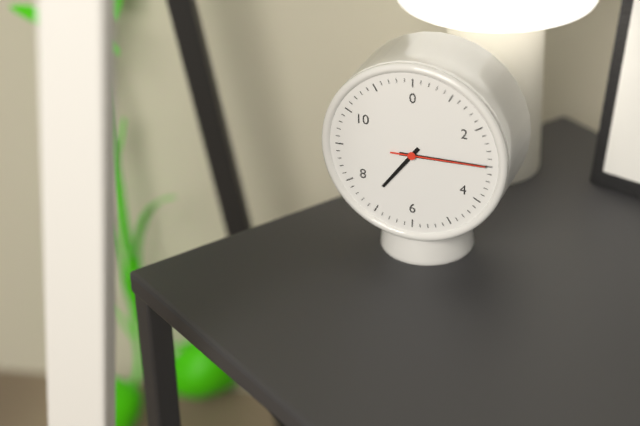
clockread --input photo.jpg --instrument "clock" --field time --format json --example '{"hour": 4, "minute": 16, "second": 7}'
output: {"hour": 7, "minute": 15, "second": 15}
